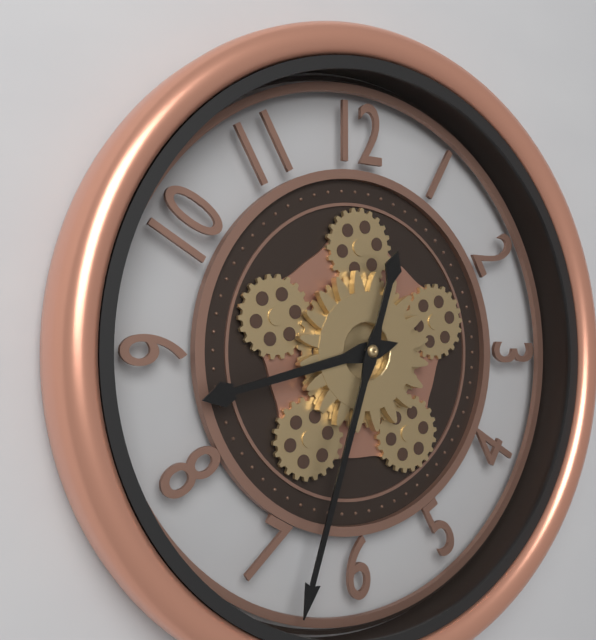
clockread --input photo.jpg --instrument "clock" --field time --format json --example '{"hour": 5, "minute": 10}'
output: {"hour": 8, "minute": 33}
